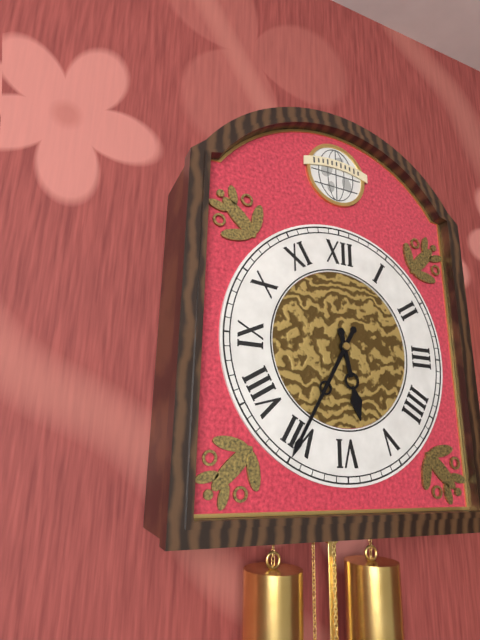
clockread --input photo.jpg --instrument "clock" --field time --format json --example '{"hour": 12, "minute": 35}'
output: {"hour": 5, "minute": 35}
